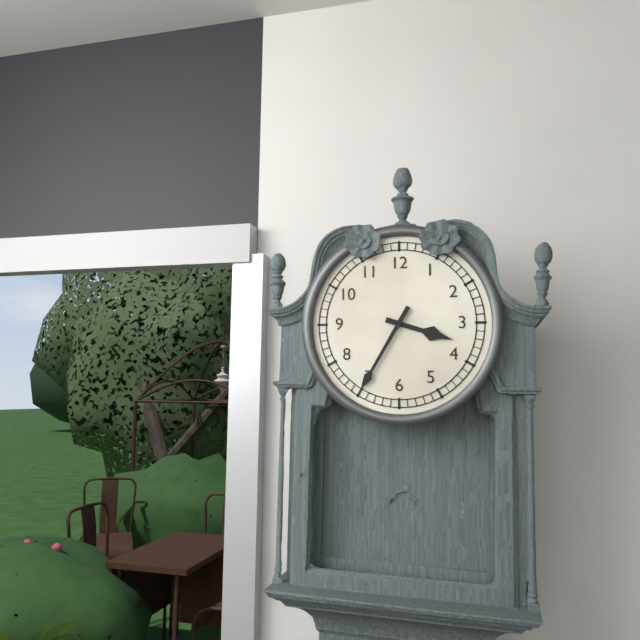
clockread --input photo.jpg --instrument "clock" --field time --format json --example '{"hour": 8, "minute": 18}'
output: {"hour": 3, "minute": 35}
